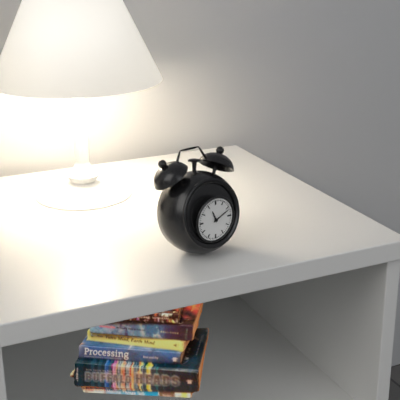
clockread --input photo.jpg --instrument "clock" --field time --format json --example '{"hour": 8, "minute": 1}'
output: {"hour": 11, "minute": 11}
